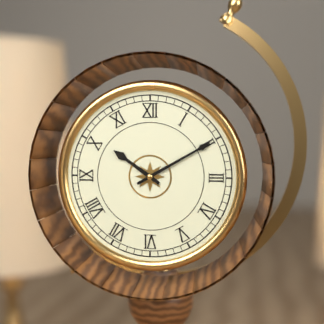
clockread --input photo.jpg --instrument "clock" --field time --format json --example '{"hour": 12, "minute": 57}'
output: {"hour": 10, "minute": 10}
